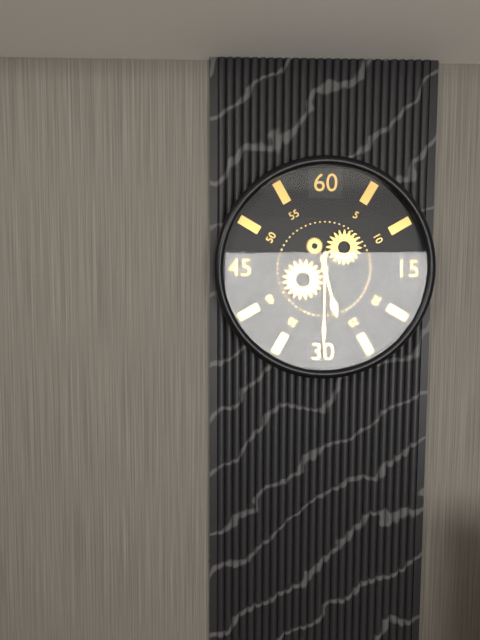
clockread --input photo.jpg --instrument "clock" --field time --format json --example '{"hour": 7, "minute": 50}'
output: {"hour": 5, "minute": 30}
